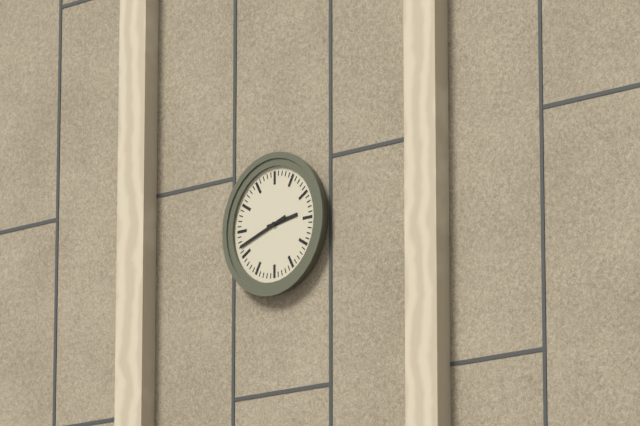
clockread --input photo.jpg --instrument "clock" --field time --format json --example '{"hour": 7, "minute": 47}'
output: {"hour": 2, "minute": 42}
